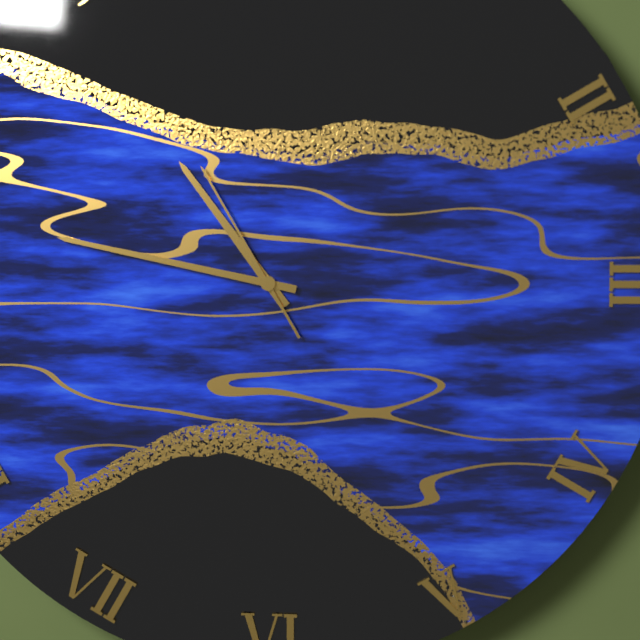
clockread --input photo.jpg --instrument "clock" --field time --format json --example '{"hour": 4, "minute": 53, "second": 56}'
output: {"hour": 10, "minute": 47, "second": 55}
